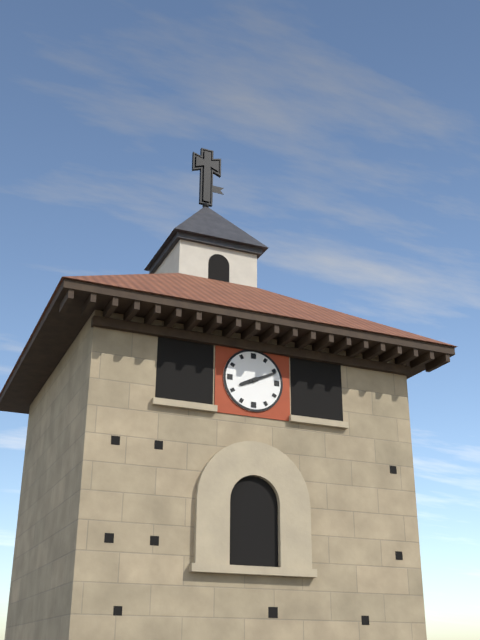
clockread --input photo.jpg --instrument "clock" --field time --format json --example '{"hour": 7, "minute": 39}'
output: {"hour": 8, "minute": 11}
